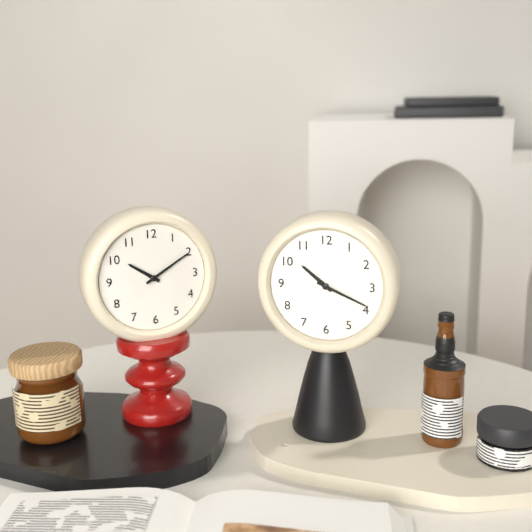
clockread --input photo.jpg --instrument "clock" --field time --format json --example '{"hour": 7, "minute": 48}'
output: {"hour": 10, "minute": 19}
